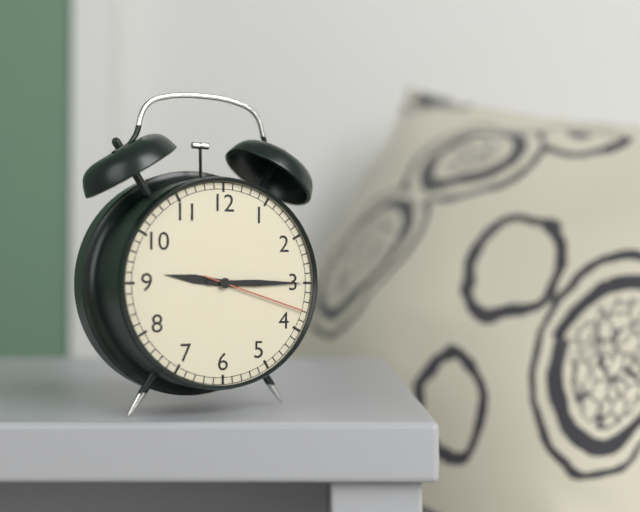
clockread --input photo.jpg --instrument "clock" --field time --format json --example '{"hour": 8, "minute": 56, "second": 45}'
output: {"hour": 9, "minute": 15, "second": 18}
